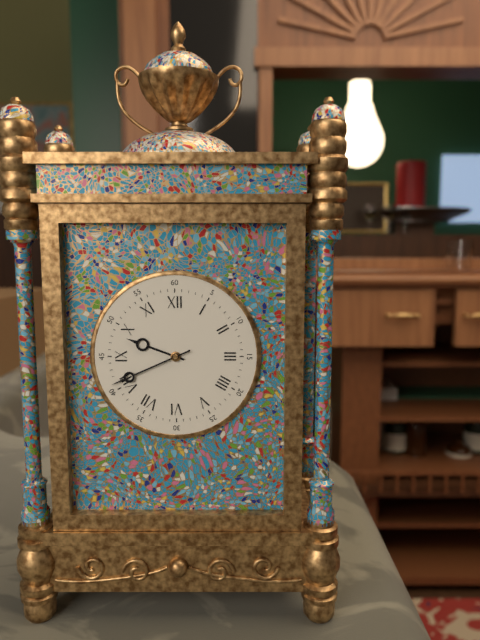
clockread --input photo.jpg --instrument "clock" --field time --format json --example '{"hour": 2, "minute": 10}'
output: {"hour": 9, "minute": 41}
